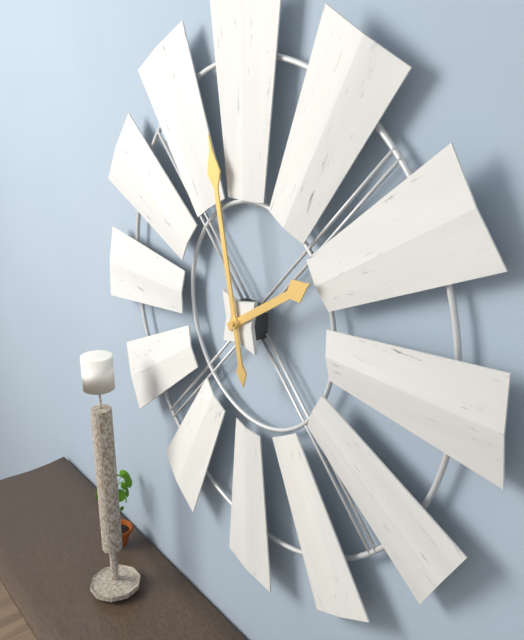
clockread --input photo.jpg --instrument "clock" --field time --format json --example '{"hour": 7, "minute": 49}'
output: {"hour": 1, "minute": 58}
